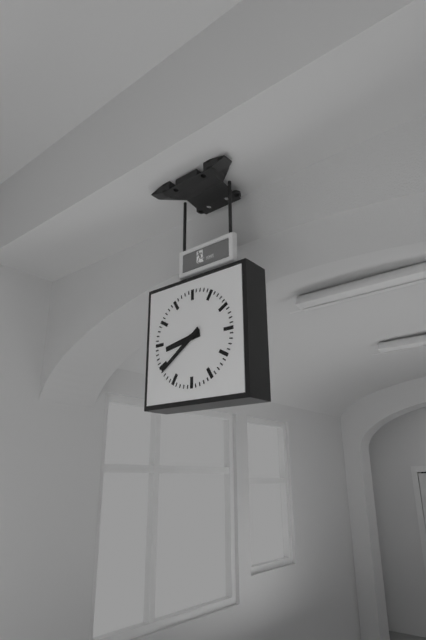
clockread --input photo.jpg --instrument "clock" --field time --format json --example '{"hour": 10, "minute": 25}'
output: {"hour": 8, "minute": 39}
